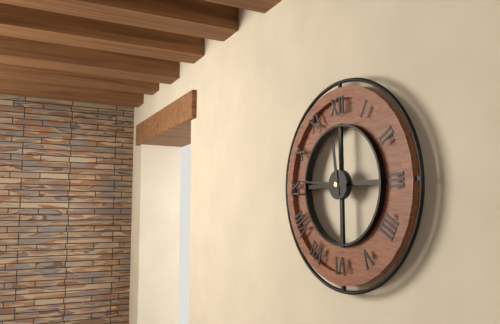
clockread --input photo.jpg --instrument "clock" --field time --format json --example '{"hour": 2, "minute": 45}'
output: {"hour": 11, "minute": 46}
